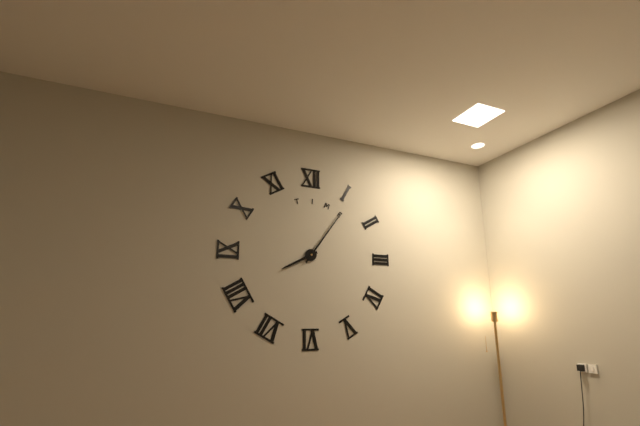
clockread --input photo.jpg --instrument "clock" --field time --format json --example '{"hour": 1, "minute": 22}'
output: {"hour": 8, "minute": 6}
